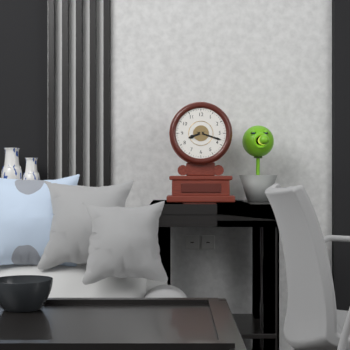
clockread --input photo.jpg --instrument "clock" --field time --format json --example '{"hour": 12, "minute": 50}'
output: {"hour": 8, "minute": 18}
